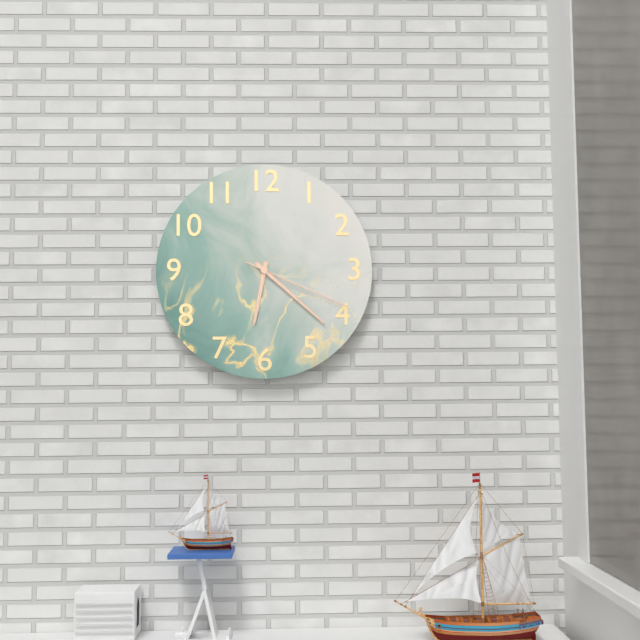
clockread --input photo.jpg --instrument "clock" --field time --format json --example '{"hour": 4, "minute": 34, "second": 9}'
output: {"hour": 6, "minute": 22, "second": 19}
